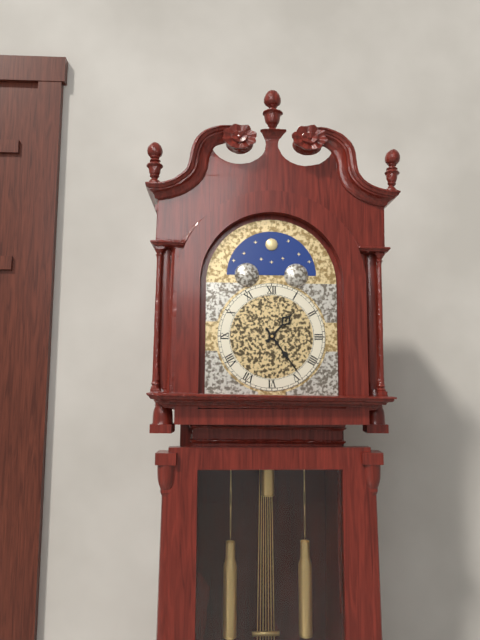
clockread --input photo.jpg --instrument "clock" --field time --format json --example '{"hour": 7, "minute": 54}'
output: {"hour": 1, "minute": 24}
